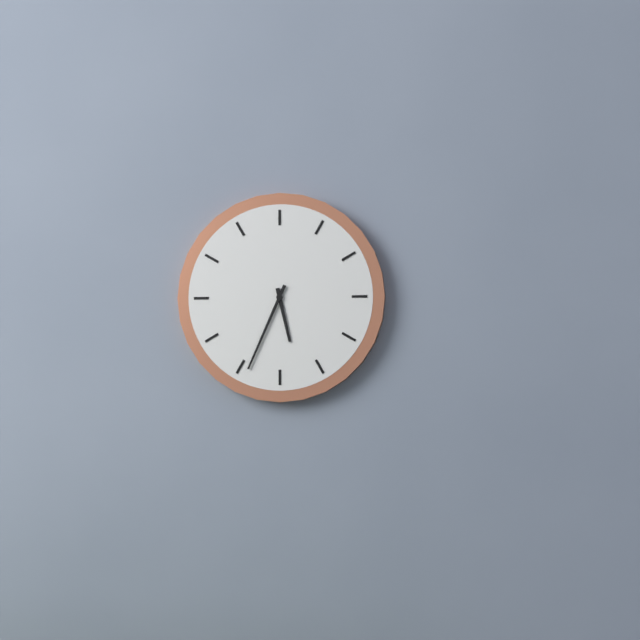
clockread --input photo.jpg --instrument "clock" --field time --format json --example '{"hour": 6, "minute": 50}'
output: {"hour": 5, "minute": 34}
